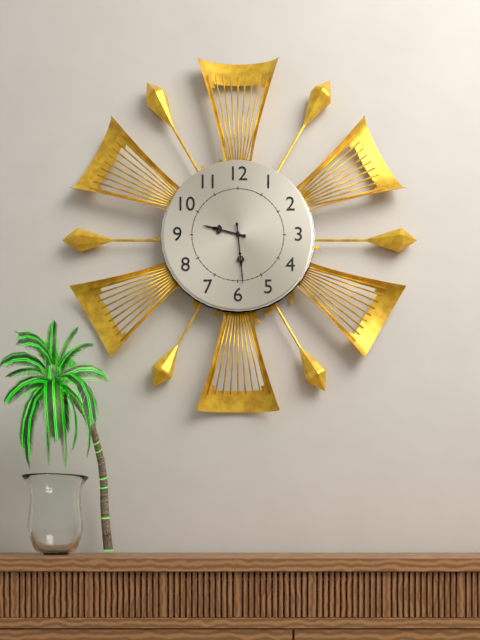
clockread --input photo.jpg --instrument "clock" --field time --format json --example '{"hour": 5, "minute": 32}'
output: {"hour": 9, "minute": 29}
